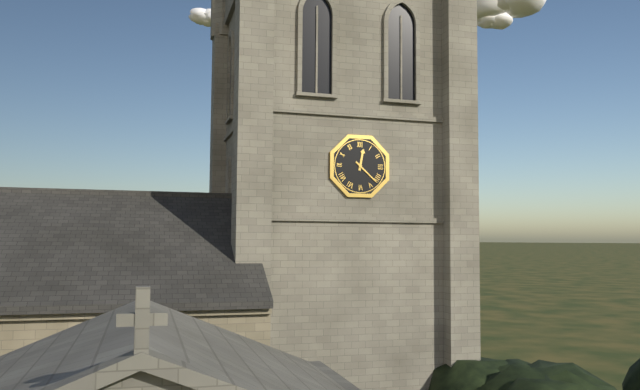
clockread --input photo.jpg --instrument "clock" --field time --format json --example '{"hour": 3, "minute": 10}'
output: {"hour": 12, "minute": 22}
